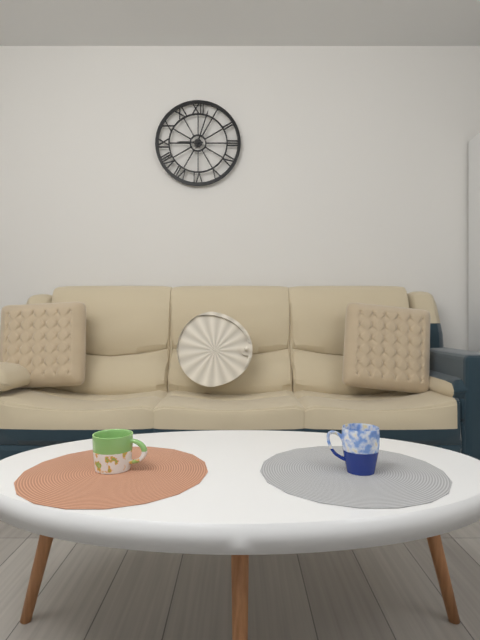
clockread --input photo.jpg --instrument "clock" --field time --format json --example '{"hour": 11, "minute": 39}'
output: {"hour": 9, "minute": 3}
